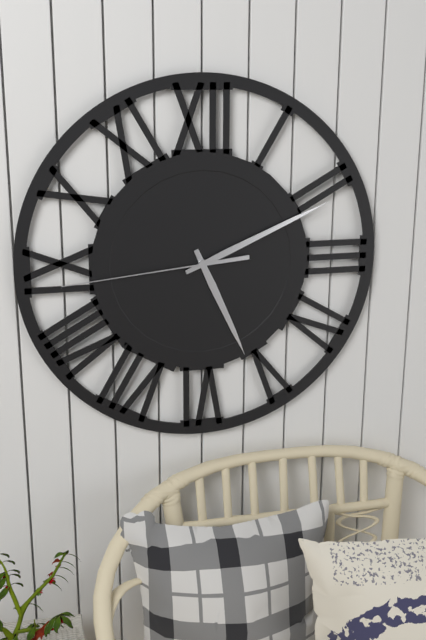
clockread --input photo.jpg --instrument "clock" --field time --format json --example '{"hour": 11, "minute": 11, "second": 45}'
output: {"hour": 5, "minute": 11, "second": 44}
